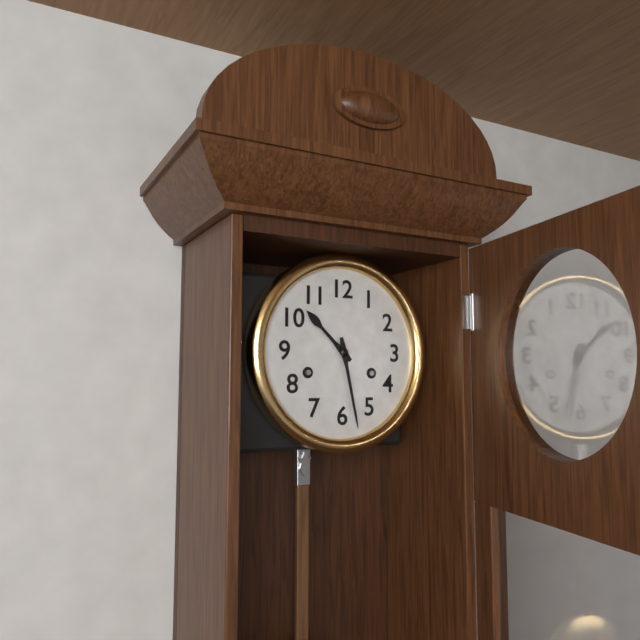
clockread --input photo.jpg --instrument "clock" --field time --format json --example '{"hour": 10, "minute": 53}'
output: {"hour": 10, "minute": 28}
